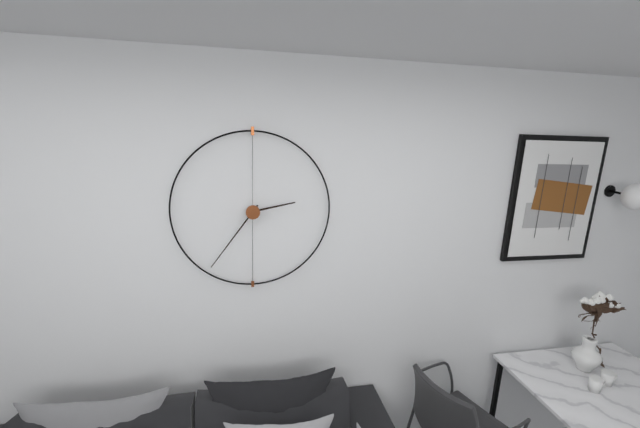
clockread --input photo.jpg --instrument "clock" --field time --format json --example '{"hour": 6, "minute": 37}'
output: {"hour": 2, "minute": 36}
